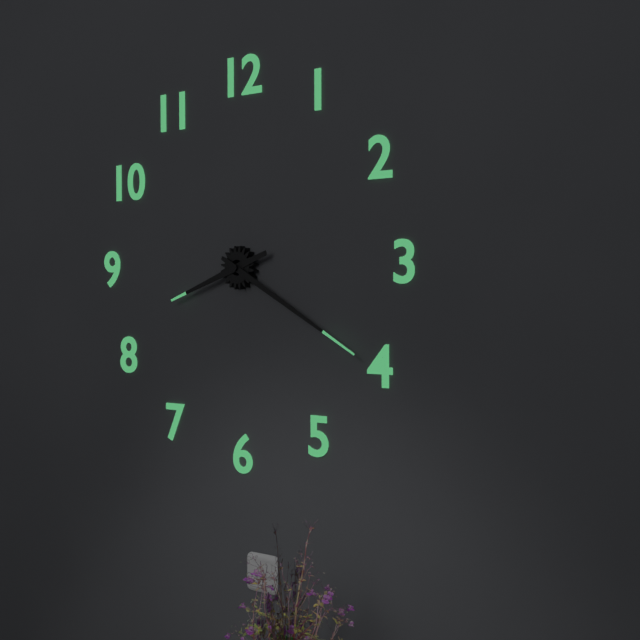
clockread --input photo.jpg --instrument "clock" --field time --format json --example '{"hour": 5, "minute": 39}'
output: {"hour": 8, "minute": 20}
